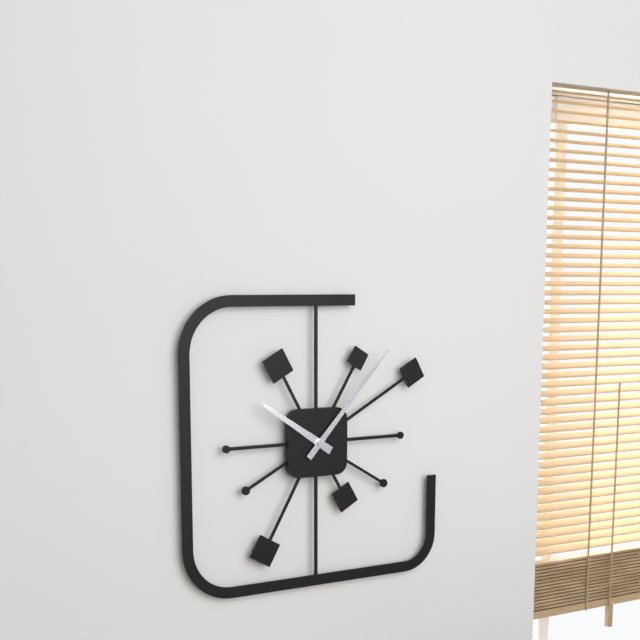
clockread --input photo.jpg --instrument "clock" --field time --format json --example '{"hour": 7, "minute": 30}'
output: {"hour": 10, "minute": 7}
